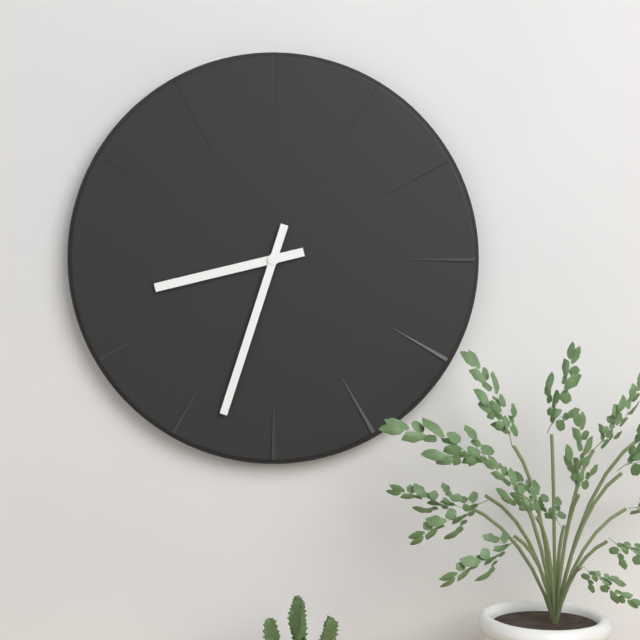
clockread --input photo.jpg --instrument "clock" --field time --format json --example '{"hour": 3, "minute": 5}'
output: {"hour": 8, "minute": 33}
